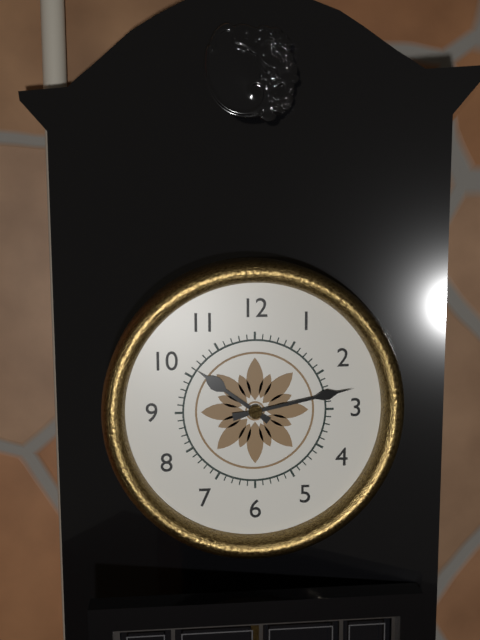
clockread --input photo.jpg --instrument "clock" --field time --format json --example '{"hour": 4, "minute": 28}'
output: {"hour": 10, "minute": 13}
